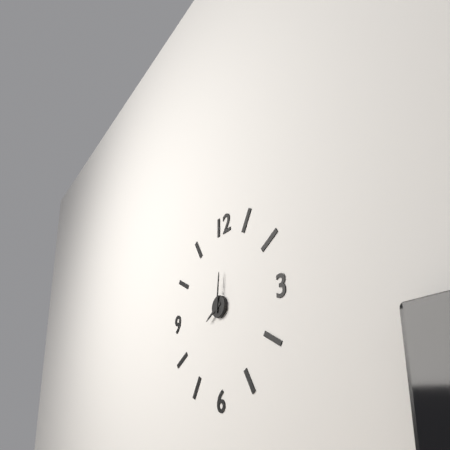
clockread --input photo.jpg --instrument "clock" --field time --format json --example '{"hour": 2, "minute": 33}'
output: {"hour": 8, "minute": 1}
